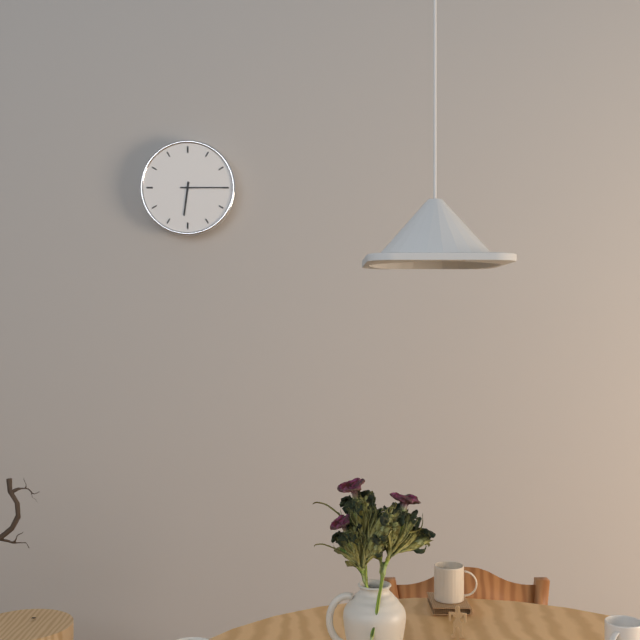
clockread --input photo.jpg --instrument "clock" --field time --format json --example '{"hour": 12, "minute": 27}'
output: {"hour": 6, "minute": 15}
